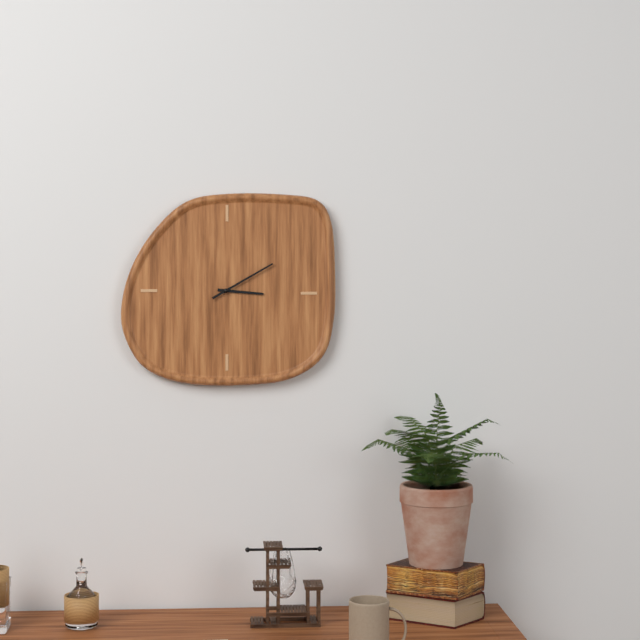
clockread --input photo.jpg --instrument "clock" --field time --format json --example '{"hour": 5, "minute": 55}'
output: {"hour": 3, "minute": 10}
